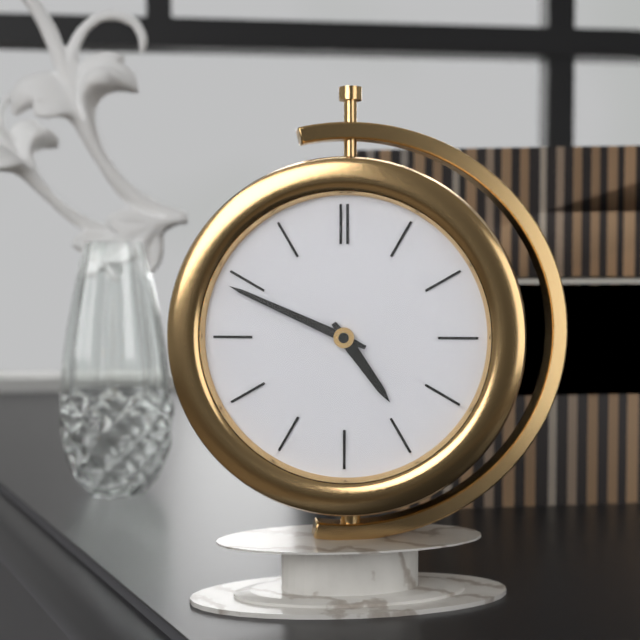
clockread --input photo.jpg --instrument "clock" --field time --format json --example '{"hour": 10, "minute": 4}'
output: {"hour": 4, "minute": 49}
